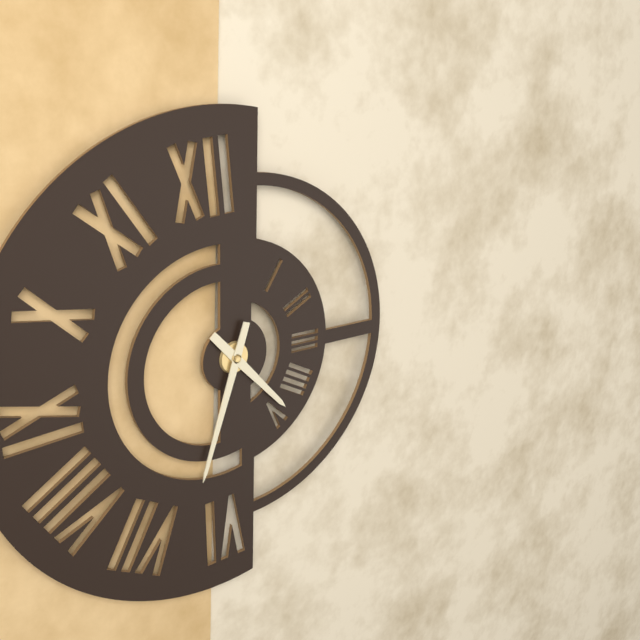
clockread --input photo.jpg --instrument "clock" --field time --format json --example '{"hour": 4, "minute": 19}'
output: {"hour": 4, "minute": 33}
